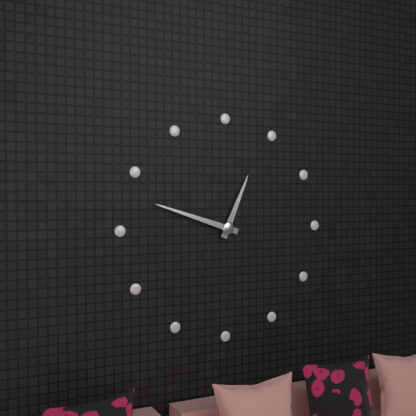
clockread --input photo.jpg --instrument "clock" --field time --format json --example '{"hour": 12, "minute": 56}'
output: {"hour": 12, "minute": 48}
